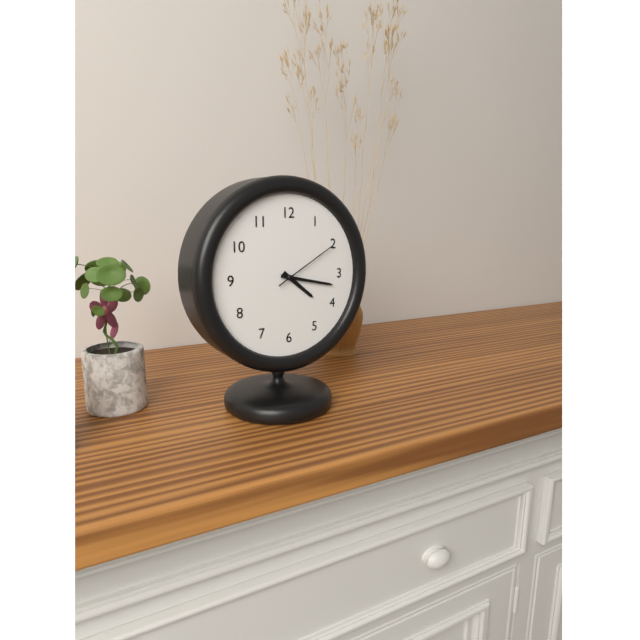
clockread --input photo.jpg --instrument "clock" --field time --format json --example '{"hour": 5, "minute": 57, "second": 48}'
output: {"hour": 4, "minute": 17, "second": 10}
